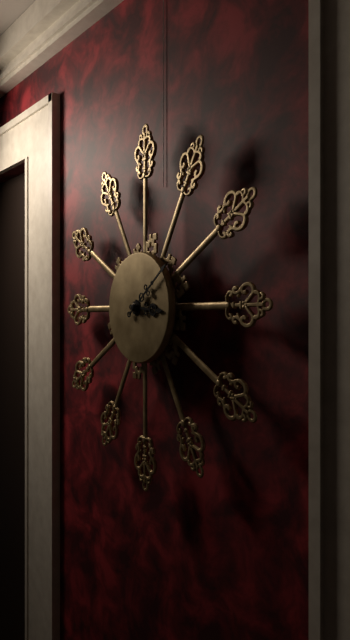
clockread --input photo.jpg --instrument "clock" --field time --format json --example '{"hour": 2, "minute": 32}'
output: {"hour": 3, "minute": 9}
